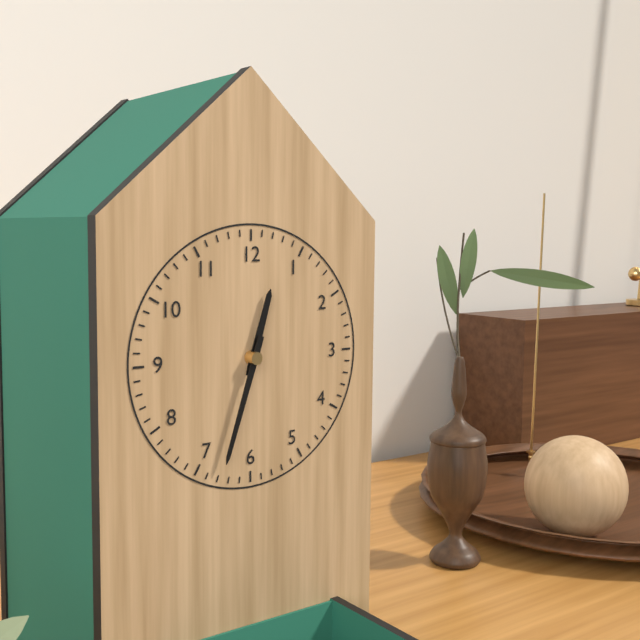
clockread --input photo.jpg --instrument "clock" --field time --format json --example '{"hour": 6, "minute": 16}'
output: {"hour": 12, "minute": 33}
